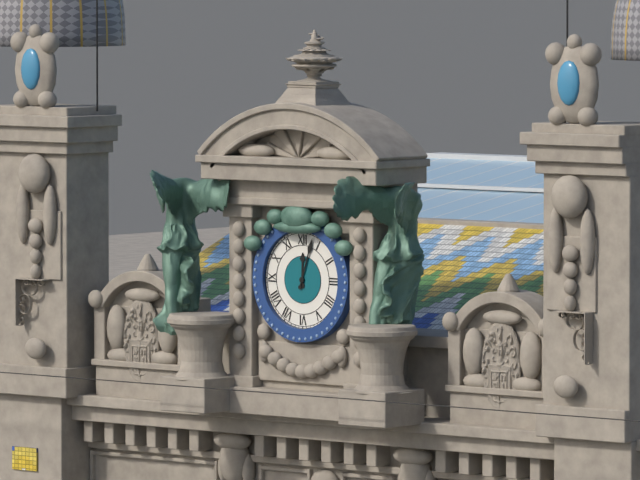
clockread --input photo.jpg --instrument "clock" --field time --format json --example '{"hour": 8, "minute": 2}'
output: {"hour": 12, "minute": 3}
